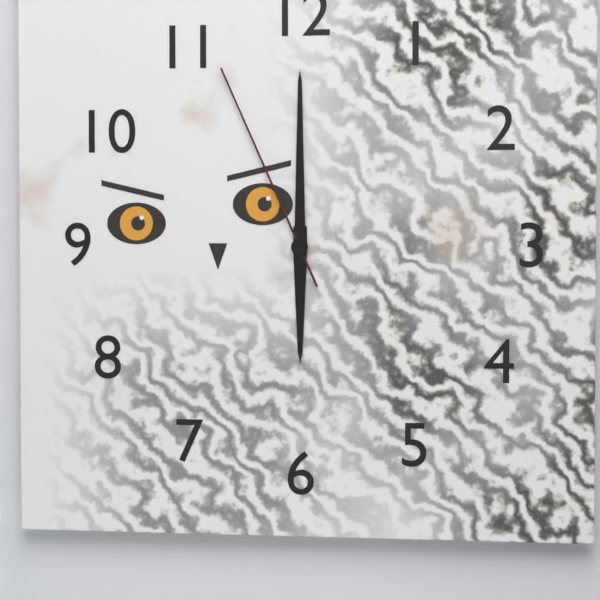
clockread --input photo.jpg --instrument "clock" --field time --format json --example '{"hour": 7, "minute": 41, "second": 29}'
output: {"hour": 6, "minute": 0, "second": 56}
